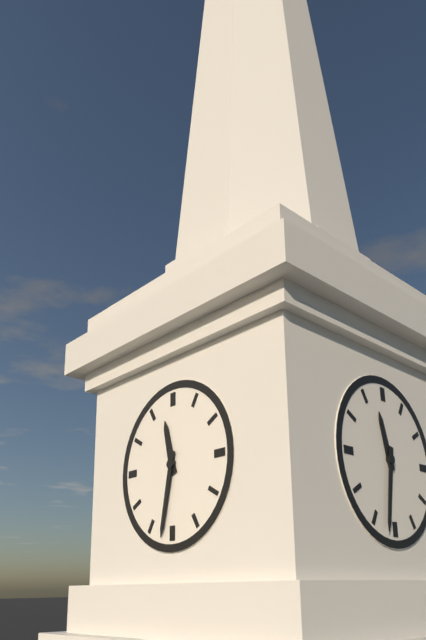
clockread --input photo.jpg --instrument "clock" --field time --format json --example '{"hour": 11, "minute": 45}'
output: {"hour": 11, "minute": 32}
